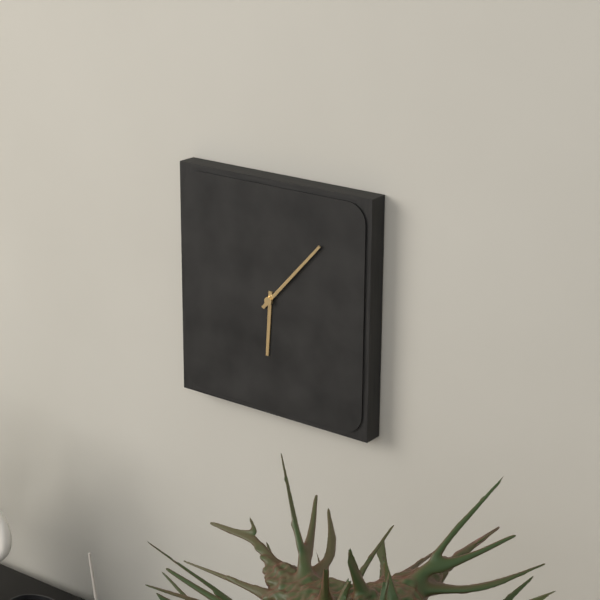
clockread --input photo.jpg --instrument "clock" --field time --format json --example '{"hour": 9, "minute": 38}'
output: {"hour": 6, "minute": 7}
